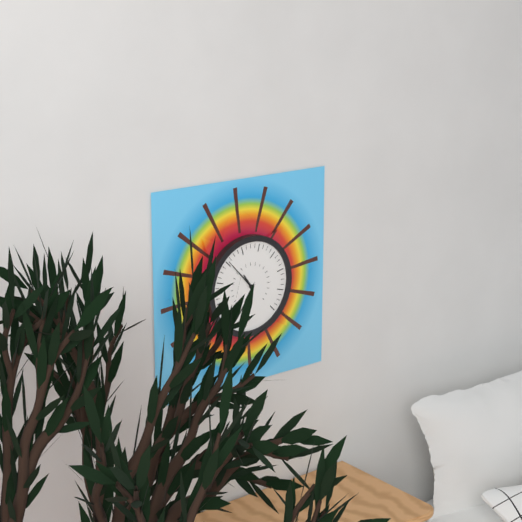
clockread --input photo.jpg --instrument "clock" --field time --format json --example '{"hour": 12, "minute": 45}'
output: {"hour": 10, "minute": 53}
